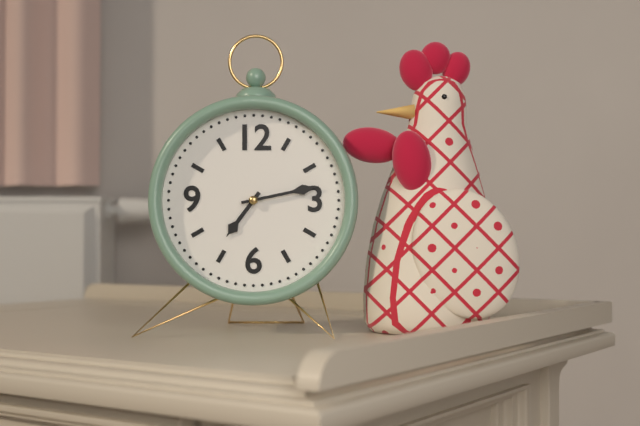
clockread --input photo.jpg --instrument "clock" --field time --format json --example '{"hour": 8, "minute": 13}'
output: {"hour": 7, "minute": 13}
